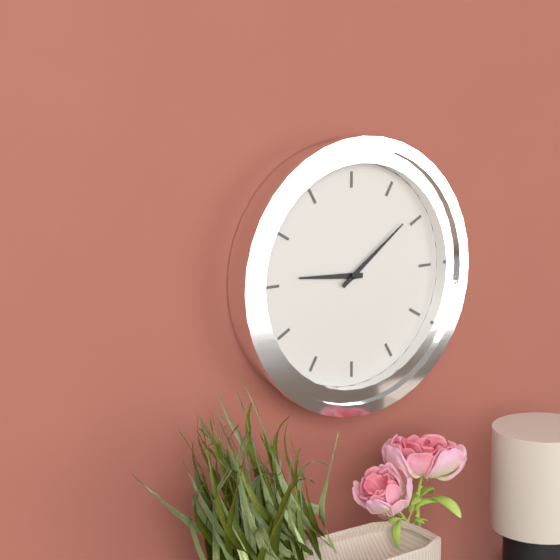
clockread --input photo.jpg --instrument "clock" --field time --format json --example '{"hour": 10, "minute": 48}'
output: {"hour": 9, "minute": 9}
